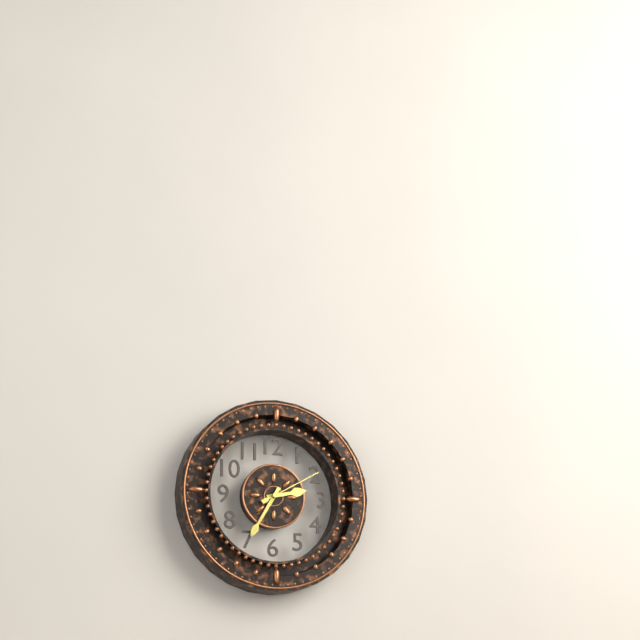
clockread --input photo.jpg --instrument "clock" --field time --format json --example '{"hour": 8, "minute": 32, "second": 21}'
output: {"hour": 2, "minute": 35, "second": 10}
